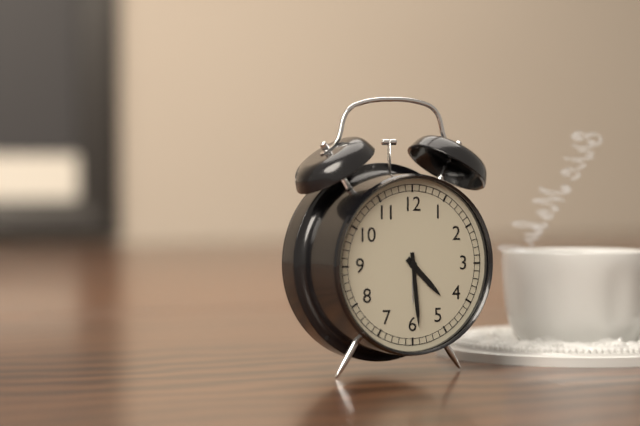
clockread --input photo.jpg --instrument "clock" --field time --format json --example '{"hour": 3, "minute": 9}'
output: {"hour": 4, "minute": 29}
